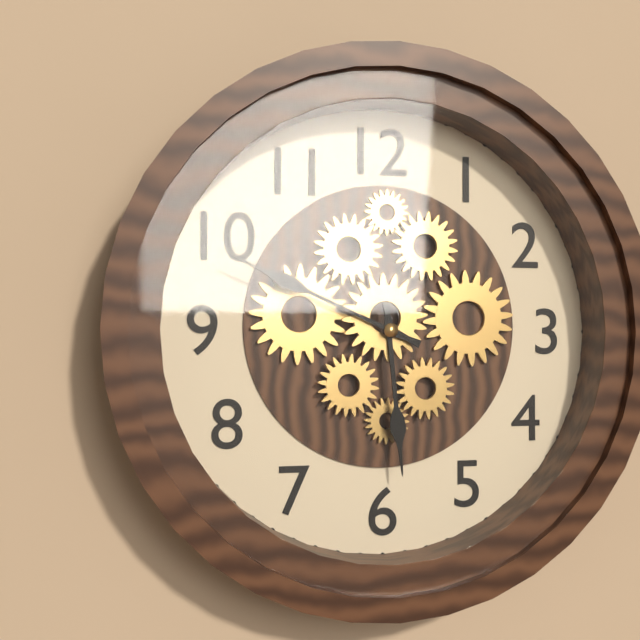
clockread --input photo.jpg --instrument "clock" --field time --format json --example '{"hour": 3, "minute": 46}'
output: {"hour": 5, "minute": 49}
